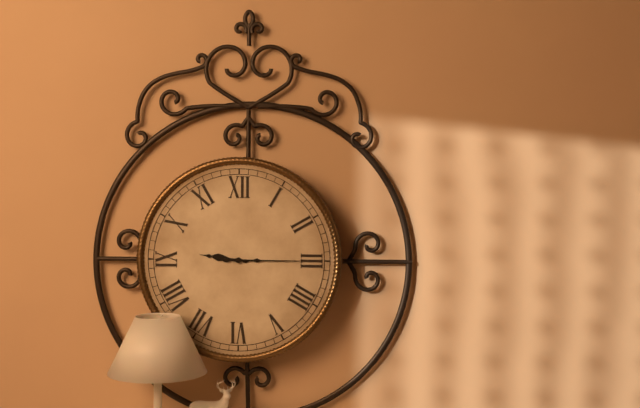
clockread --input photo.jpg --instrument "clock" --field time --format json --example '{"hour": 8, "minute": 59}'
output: {"hour": 9, "minute": 15}
